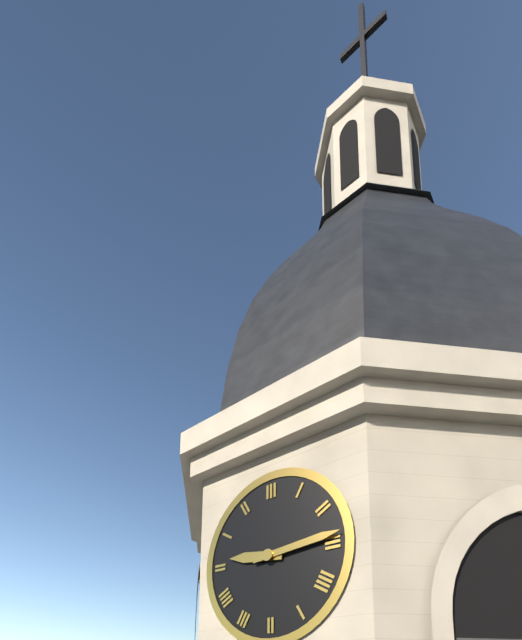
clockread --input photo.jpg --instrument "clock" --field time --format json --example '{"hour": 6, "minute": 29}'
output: {"hour": 9, "minute": 14}
